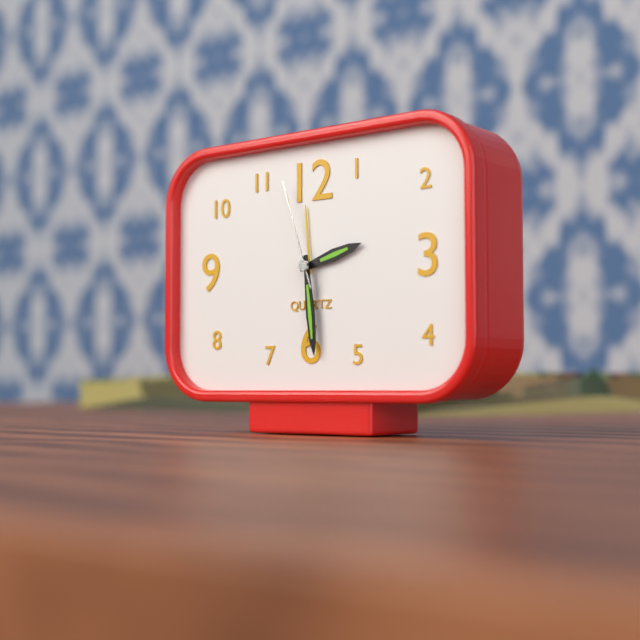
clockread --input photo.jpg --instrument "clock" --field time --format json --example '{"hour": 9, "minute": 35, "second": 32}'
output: {"hour": 2, "minute": 29, "second": 57}
